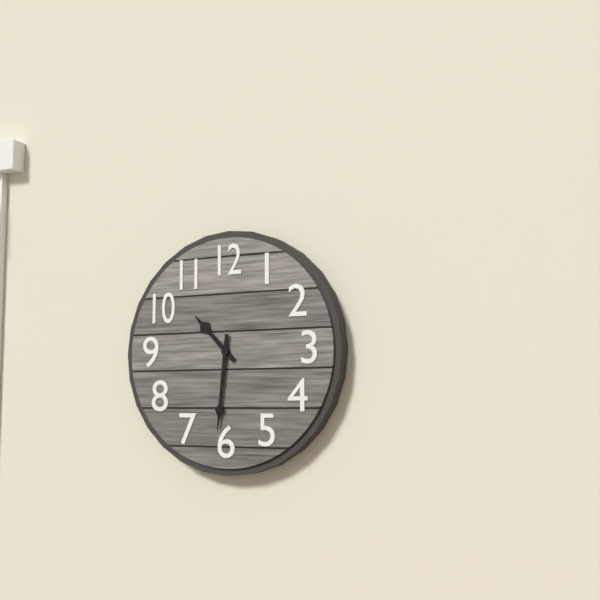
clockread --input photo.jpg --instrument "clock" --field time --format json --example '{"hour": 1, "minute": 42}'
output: {"hour": 10, "minute": 31}
